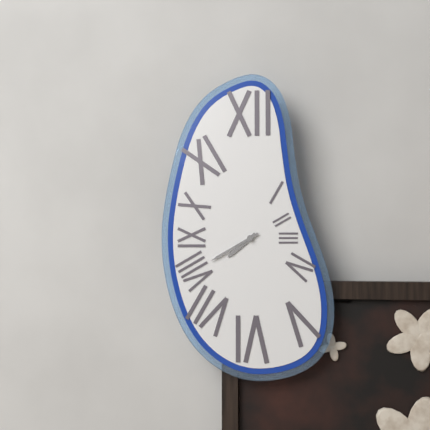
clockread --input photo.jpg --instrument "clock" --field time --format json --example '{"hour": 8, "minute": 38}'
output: {"hour": 7, "minute": 40}
